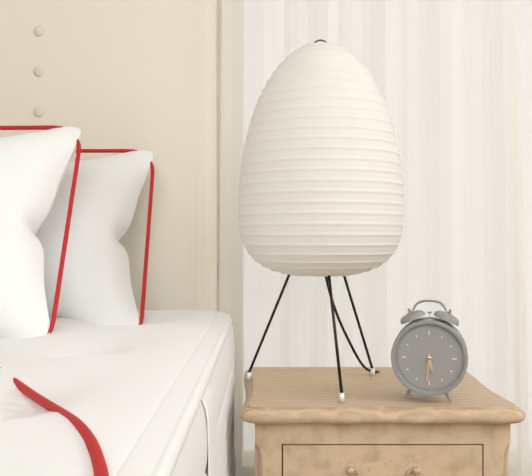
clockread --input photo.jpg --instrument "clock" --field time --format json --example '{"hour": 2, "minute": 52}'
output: {"hour": 5, "minute": 31}
